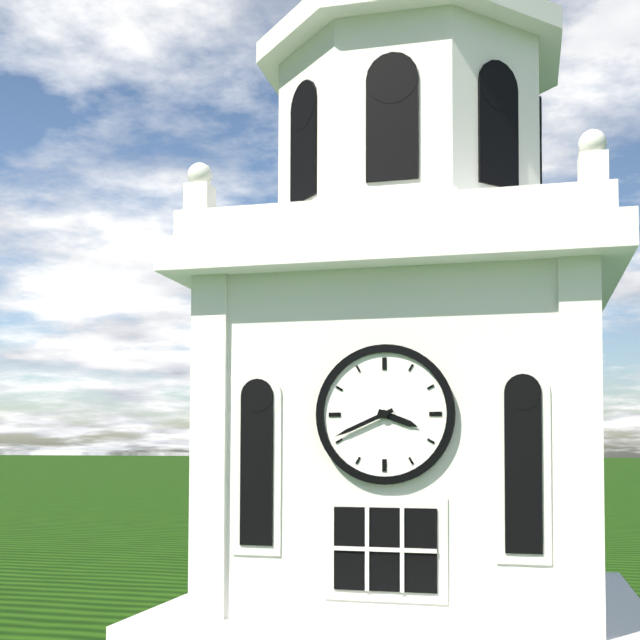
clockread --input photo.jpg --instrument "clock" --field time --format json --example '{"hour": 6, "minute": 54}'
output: {"hour": 3, "minute": 41}
